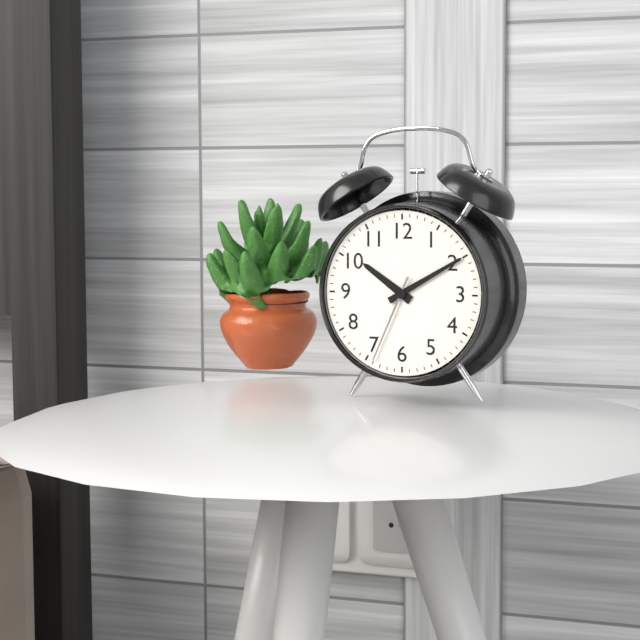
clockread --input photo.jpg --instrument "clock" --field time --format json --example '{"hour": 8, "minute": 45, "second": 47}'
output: {"hour": 10, "minute": 10, "second": 34}
